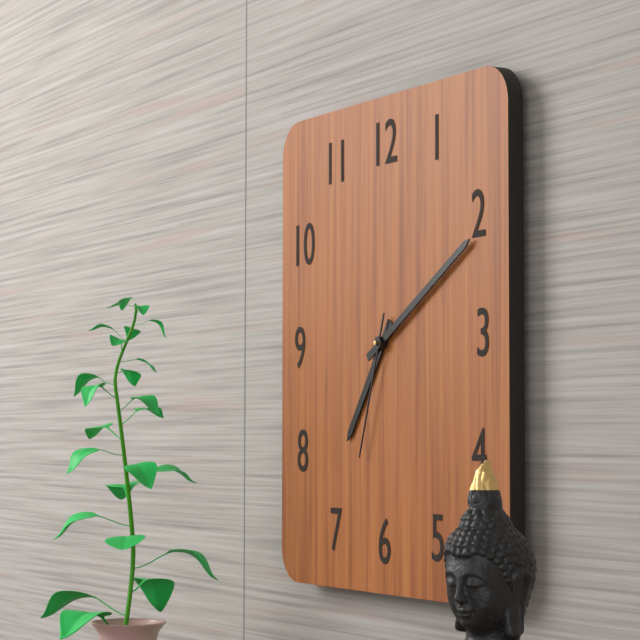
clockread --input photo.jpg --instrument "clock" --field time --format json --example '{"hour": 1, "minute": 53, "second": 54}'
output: {"hour": 7, "minute": 10, "second": 33}
